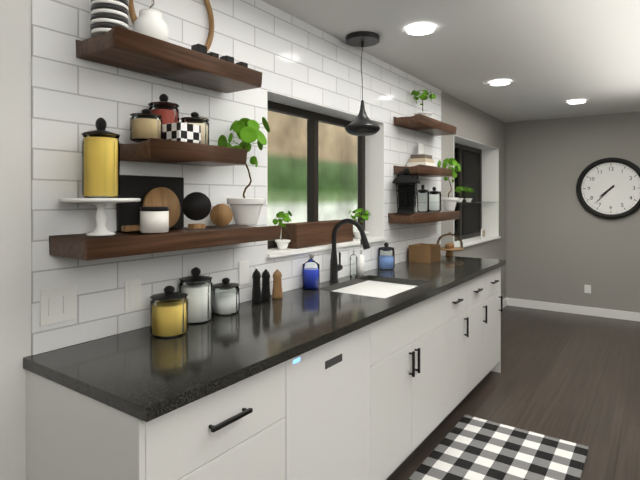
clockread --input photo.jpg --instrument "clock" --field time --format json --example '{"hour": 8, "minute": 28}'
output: {"hour": 7, "minute": 37}
